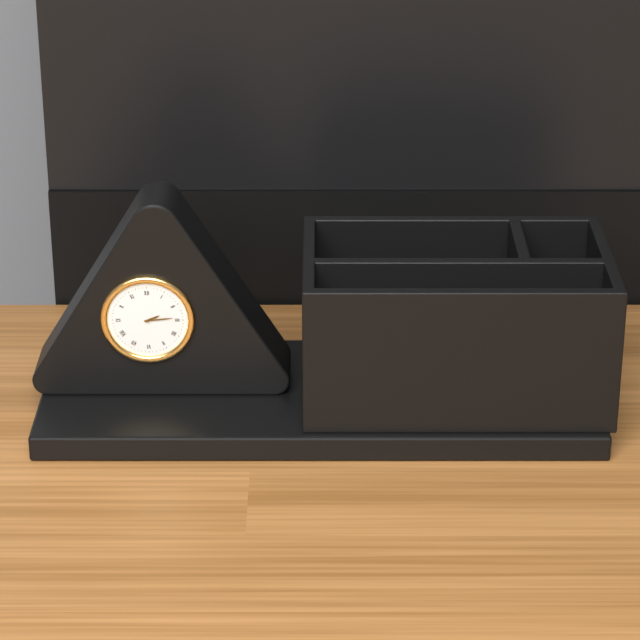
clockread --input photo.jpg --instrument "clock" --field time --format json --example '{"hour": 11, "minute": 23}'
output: {"hour": 2, "minute": 14}
